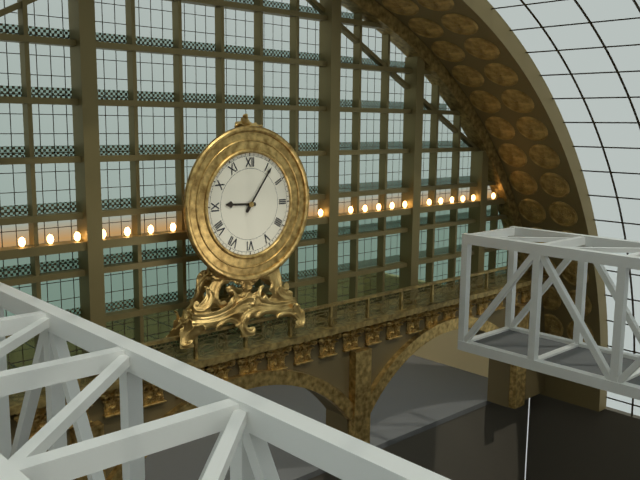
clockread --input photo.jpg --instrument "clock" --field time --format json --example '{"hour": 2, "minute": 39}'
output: {"hour": 9, "minute": 6}
